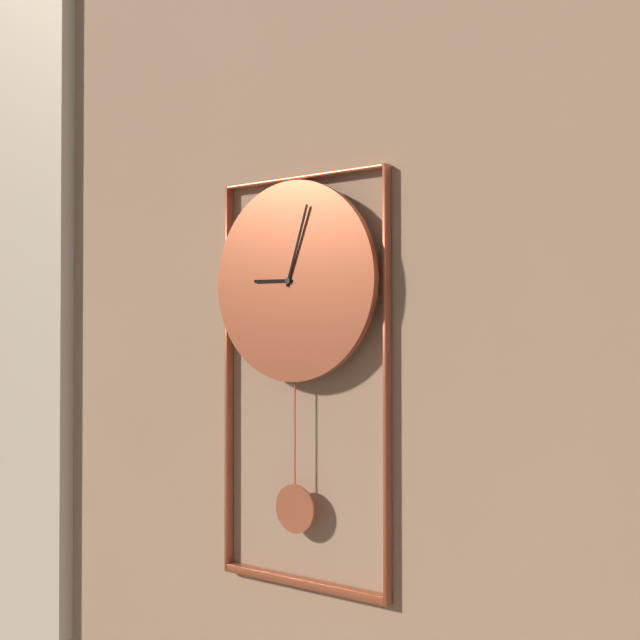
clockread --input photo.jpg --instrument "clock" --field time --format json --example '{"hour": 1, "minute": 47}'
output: {"hour": 9, "minute": 3}
